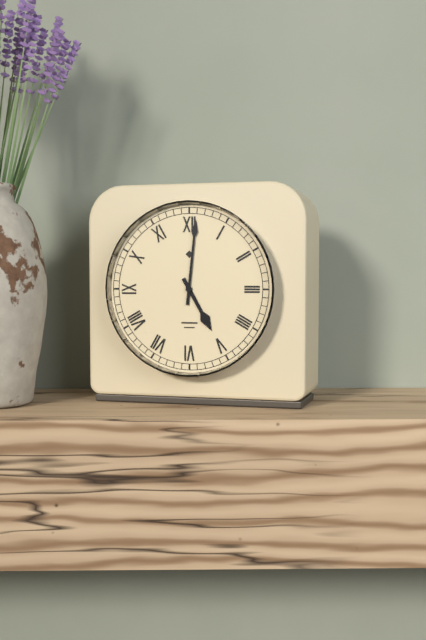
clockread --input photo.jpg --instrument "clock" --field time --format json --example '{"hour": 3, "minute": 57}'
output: {"hour": 5, "minute": 1}
